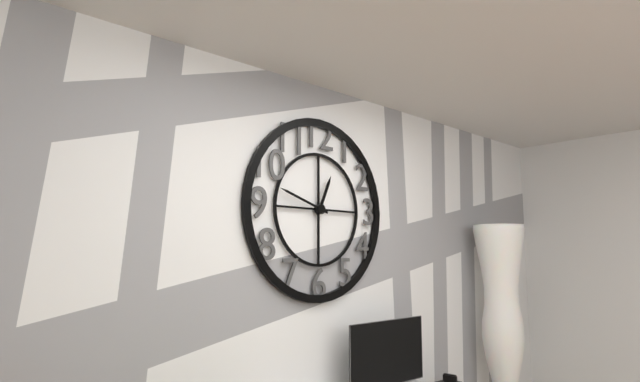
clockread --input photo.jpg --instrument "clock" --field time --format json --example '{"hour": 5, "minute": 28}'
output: {"hour": 12, "minute": 48}
